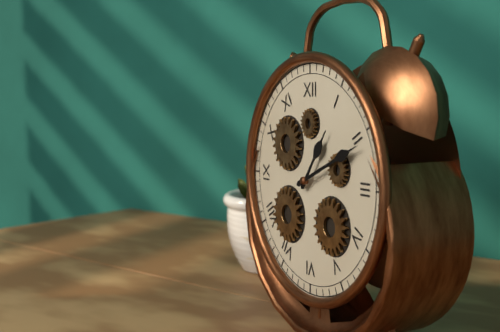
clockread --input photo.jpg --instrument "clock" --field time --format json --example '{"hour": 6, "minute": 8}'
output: {"hour": 1, "minute": 11}
